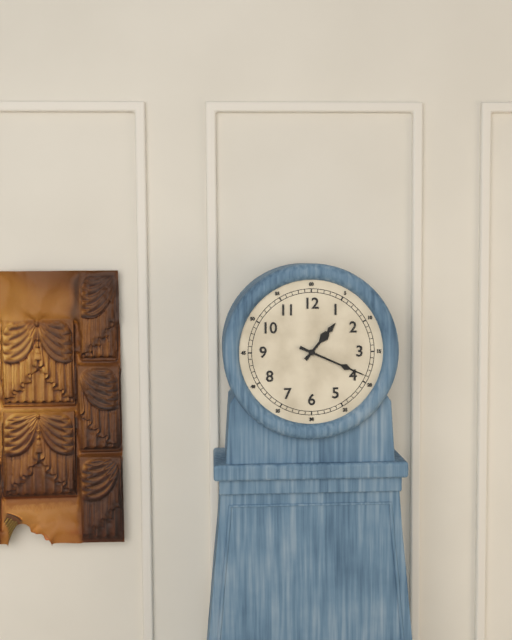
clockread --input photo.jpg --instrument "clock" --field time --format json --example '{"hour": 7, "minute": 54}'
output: {"hour": 1, "minute": 19}
